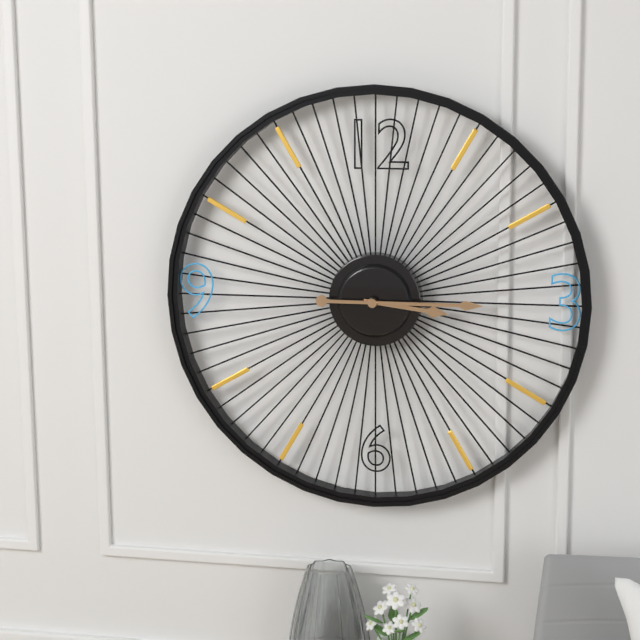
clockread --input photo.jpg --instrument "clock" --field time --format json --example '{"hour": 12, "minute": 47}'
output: {"hour": 3, "minute": 15}
